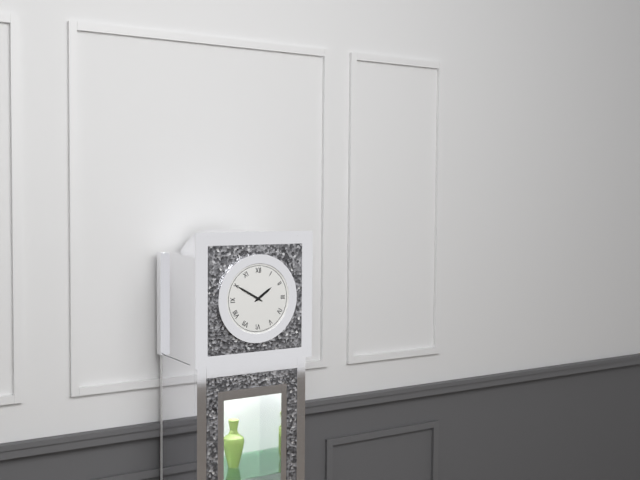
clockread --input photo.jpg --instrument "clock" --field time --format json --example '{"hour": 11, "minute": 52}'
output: {"hour": 1, "minute": 50}
